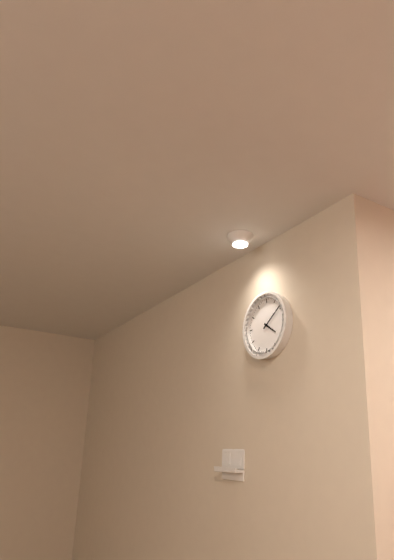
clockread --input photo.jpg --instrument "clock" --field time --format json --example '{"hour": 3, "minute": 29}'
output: {"hour": 4, "minute": 9}
